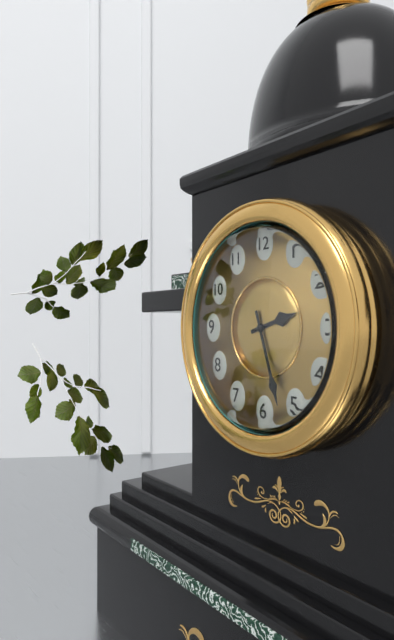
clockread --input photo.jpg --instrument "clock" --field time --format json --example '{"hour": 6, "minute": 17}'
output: {"hour": 2, "minute": 27}
